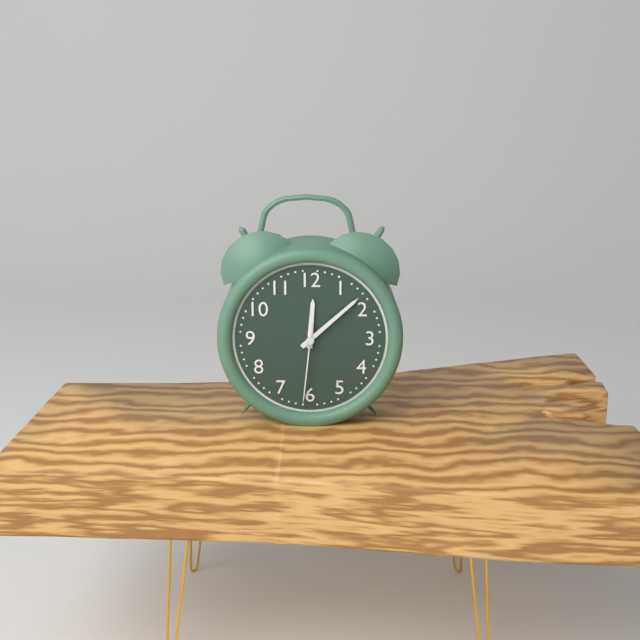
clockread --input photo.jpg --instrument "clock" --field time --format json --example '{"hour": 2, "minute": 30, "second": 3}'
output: {"hour": 12, "minute": 8, "second": 31}
